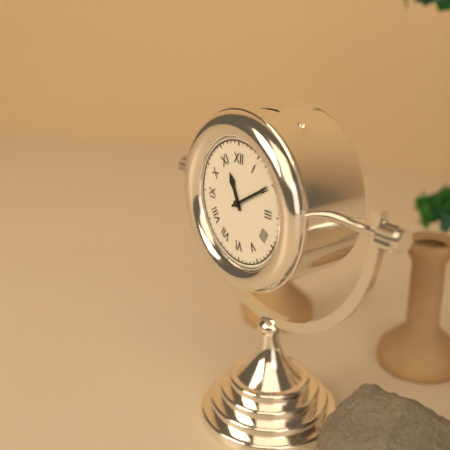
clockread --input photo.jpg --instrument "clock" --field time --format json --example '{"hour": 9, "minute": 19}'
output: {"hour": 11, "minute": 10}
